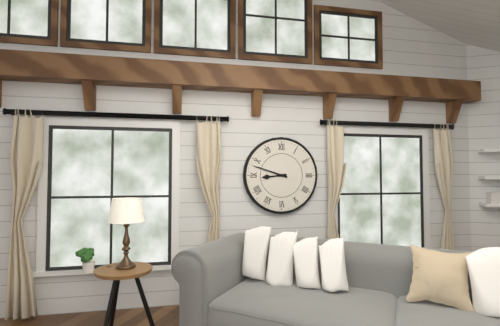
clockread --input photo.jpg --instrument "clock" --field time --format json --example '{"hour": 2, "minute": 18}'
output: {"hour": 8, "minute": 48}
